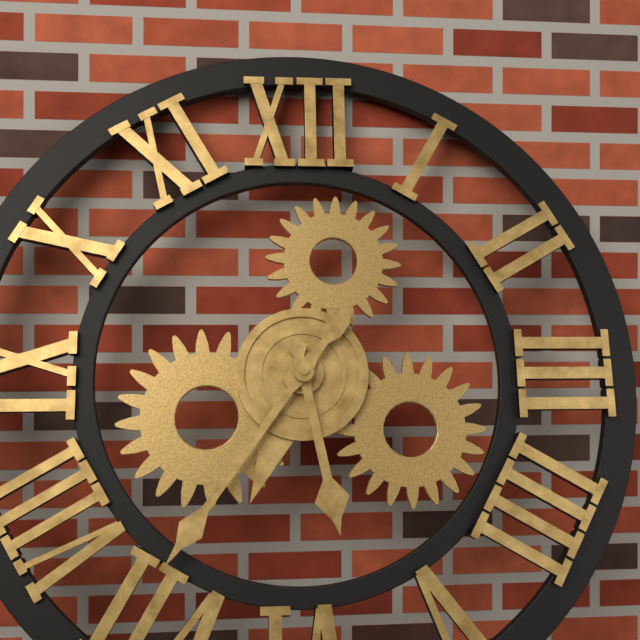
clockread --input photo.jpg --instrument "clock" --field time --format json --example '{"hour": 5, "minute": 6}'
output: {"hour": 5, "minute": 36}
